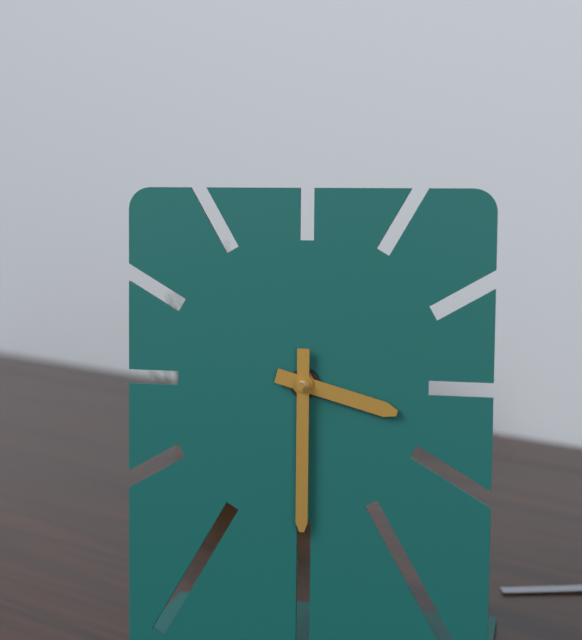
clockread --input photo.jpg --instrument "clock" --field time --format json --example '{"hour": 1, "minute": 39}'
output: {"hour": 3, "minute": 30}
